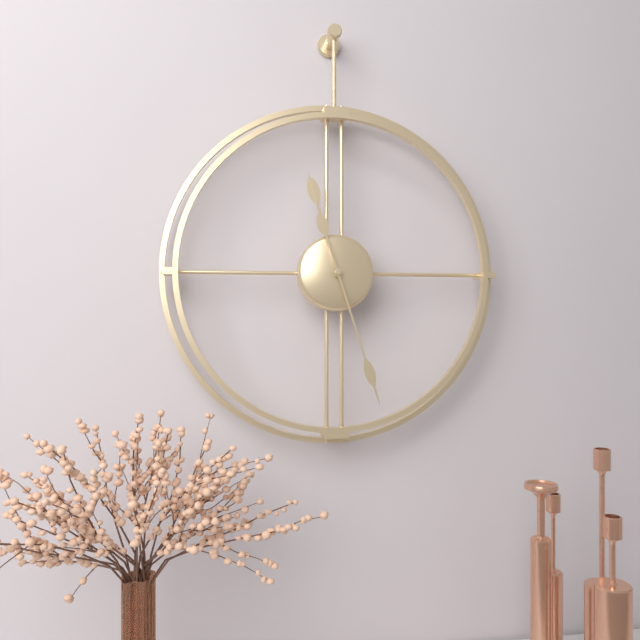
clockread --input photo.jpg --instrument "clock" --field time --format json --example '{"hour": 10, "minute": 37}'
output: {"hour": 11, "minute": 27}
